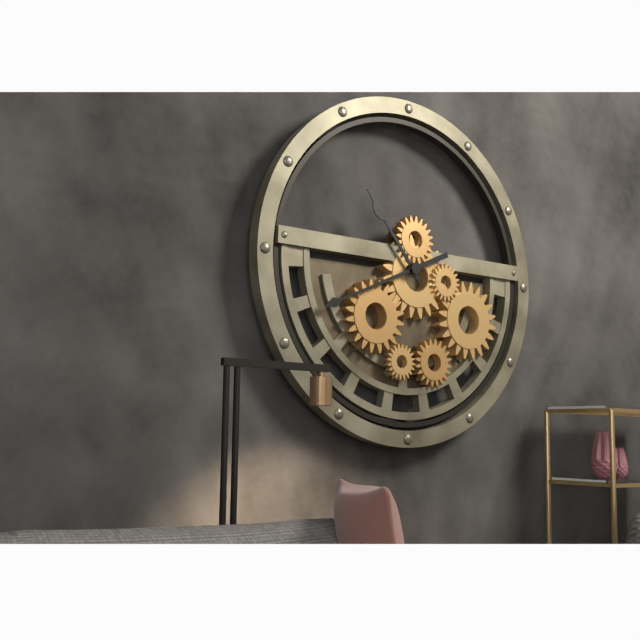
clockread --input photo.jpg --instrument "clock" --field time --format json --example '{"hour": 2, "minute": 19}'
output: {"hour": 10, "minute": 41}
